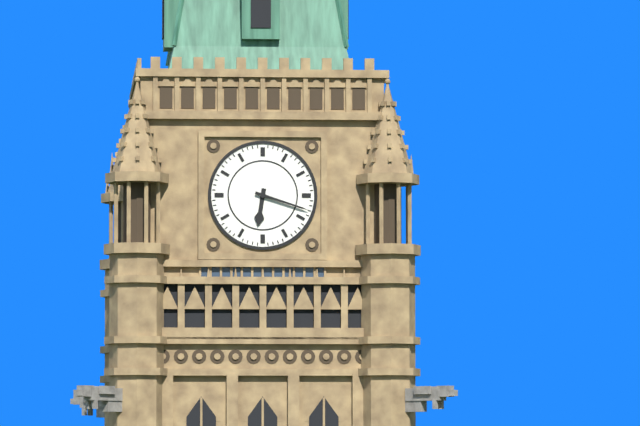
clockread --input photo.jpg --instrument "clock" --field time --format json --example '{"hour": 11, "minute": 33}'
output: {"hour": 6, "minute": 18}
